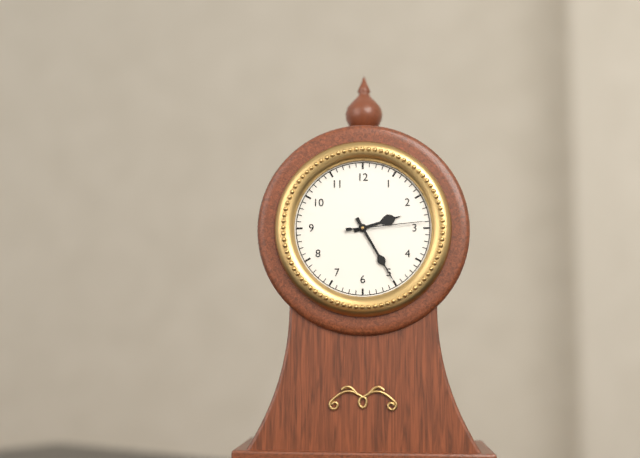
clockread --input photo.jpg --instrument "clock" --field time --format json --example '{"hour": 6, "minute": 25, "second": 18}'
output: {"hour": 2, "minute": 25, "second": 14}
